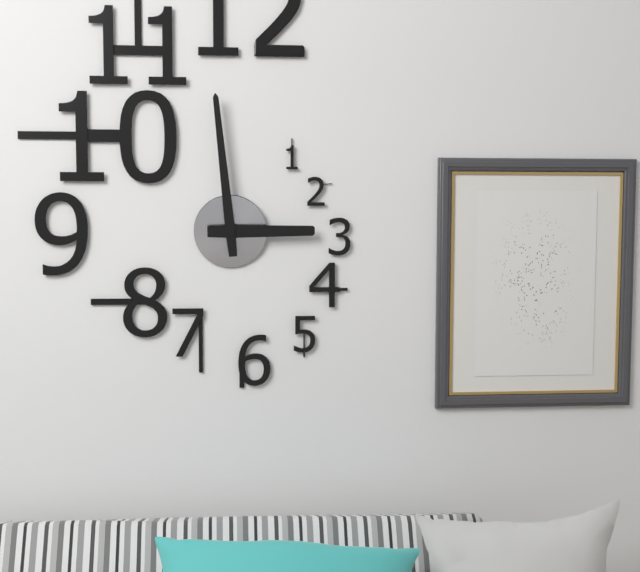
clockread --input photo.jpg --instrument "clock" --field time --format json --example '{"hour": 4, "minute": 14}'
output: {"hour": 2, "minute": 59}
